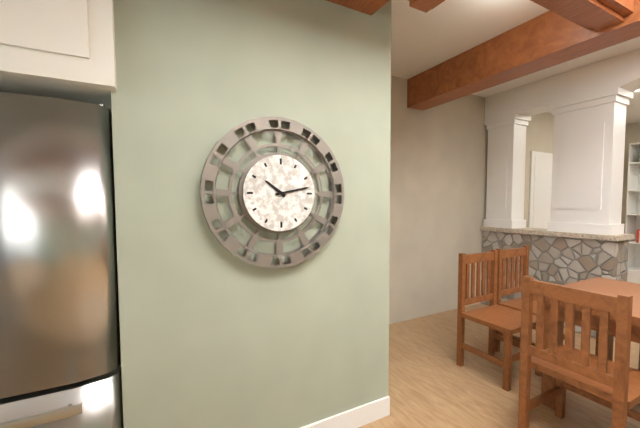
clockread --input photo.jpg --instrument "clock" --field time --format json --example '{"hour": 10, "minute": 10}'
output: {"hour": 10, "minute": 13}
